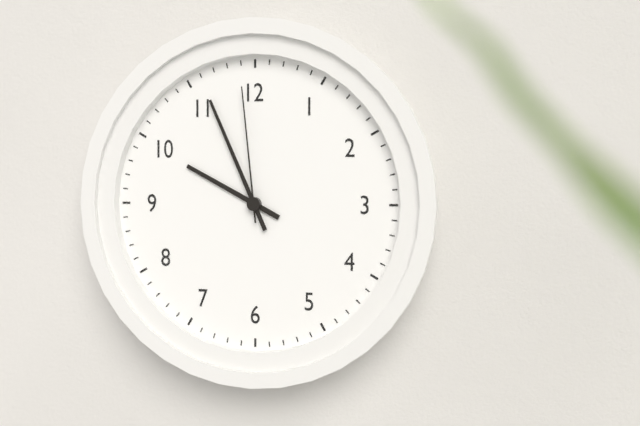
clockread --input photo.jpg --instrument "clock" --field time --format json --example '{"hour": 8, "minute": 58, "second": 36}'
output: {"hour": 9, "minute": 56, "second": 59}
